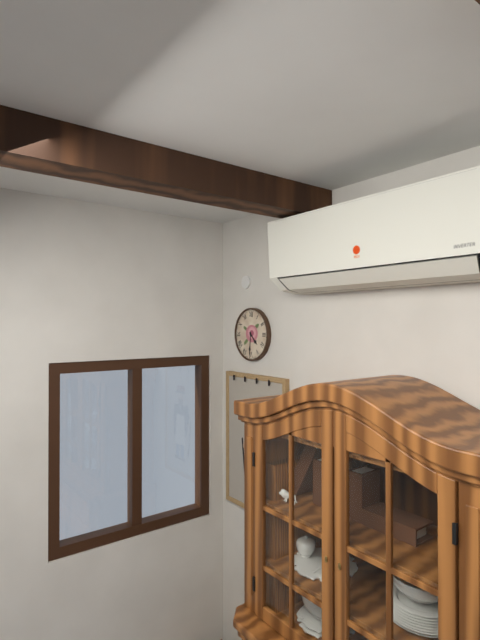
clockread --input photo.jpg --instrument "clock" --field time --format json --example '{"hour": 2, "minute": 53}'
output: {"hour": 4, "minute": 31}
